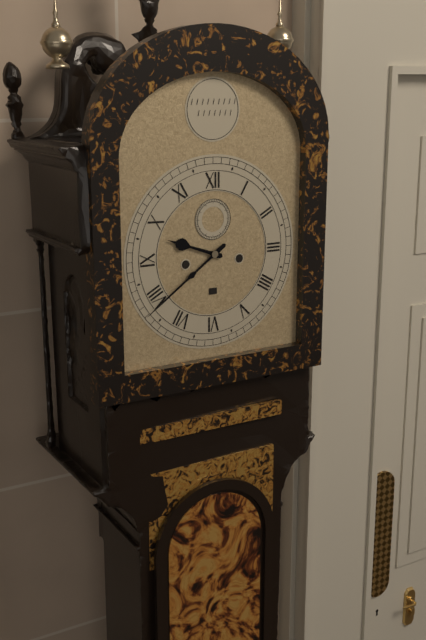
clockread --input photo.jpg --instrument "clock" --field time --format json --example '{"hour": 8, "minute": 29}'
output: {"hour": 9, "minute": 39}
